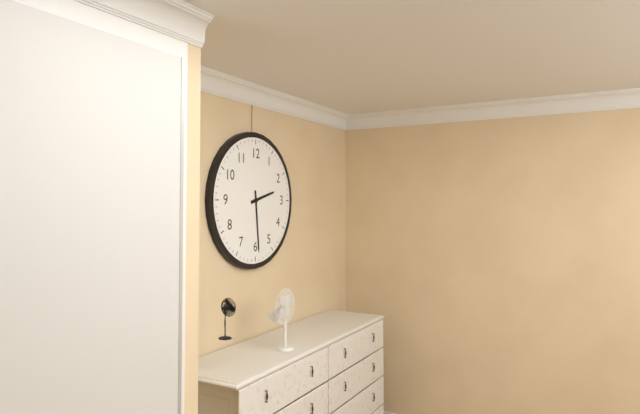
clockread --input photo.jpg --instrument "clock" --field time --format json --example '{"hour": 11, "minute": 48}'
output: {"hour": 2, "minute": 29}
